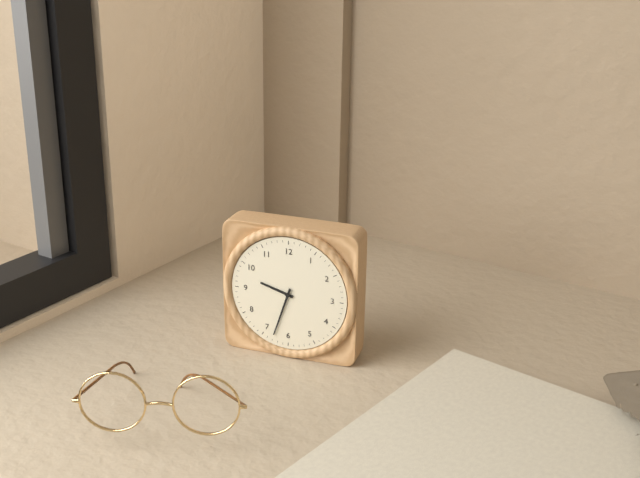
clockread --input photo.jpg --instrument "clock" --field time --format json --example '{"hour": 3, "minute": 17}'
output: {"hour": 9, "minute": 33}
